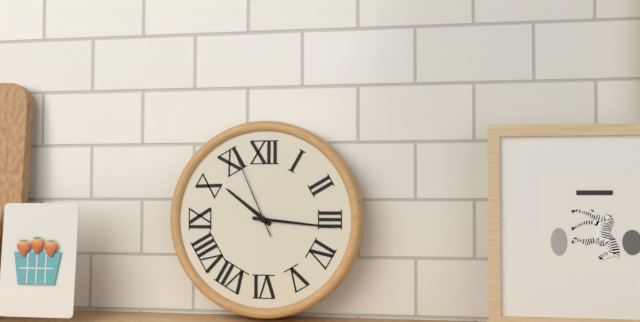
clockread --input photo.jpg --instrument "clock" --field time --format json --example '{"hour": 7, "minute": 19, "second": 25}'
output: {"hour": 10, "minute": 16, "second": 56}
